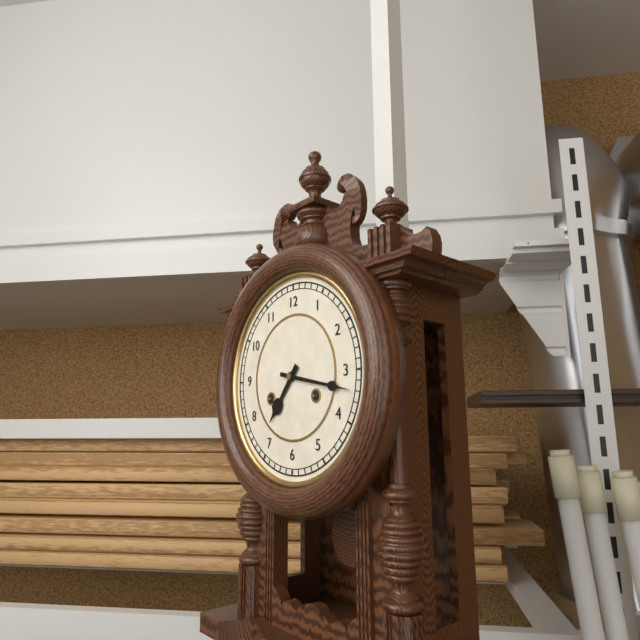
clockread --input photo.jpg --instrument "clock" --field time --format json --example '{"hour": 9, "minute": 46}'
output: {"hour": 7, "minute": 17}
